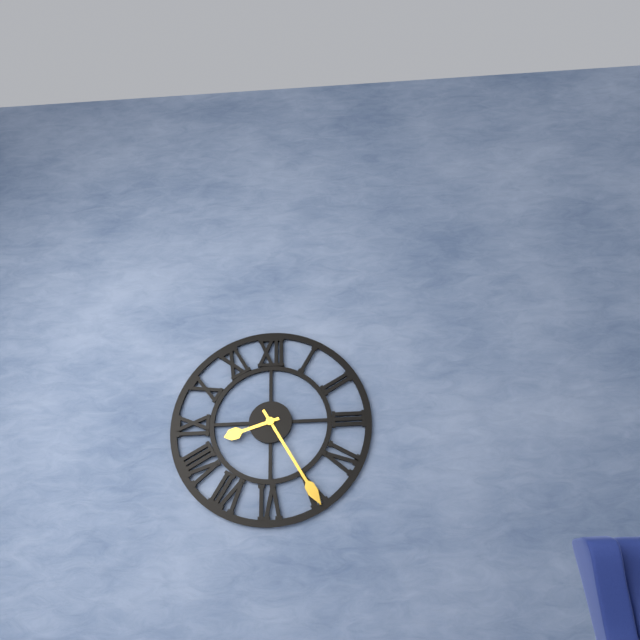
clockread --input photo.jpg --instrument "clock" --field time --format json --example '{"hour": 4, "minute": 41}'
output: {"hour": 8, "minute": 25}
